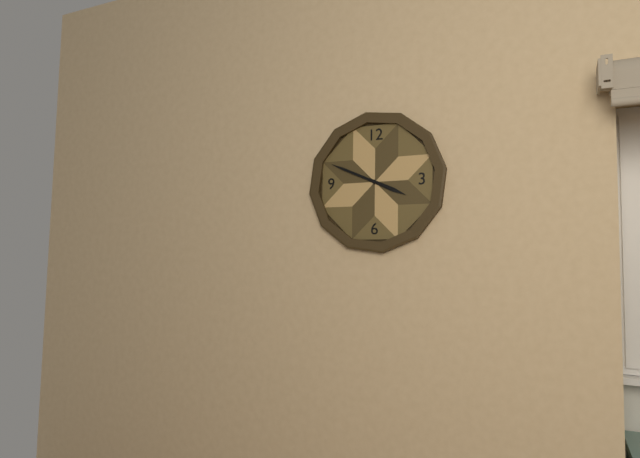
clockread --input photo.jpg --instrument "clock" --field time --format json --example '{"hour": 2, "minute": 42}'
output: {"hour": 3, "minute": 49}
